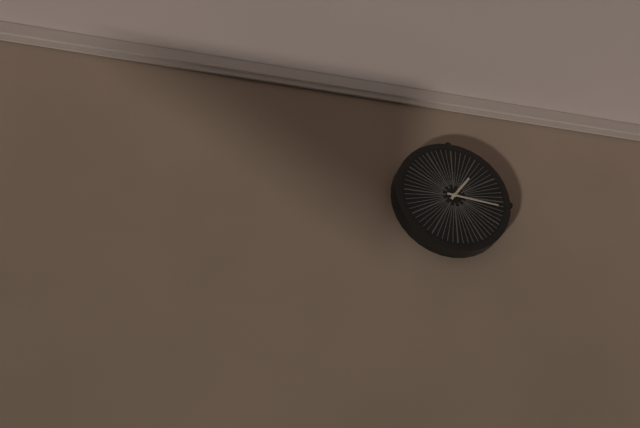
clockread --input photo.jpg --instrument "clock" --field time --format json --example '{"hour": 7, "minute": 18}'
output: {"hour": 1, "minute": 16}
